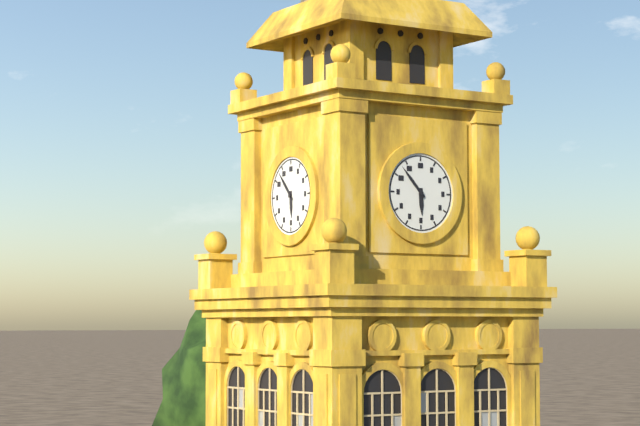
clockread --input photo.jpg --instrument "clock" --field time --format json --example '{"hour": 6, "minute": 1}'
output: {"hour": 5, "minute": 53}
